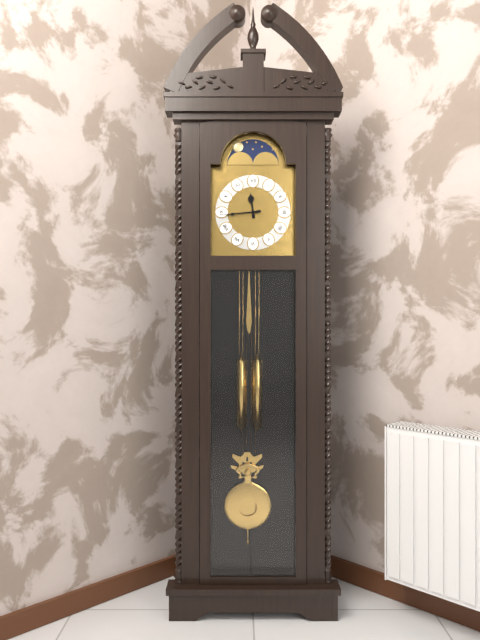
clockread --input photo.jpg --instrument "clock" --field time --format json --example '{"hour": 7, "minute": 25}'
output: {"hour": 11, "minute": 44}
